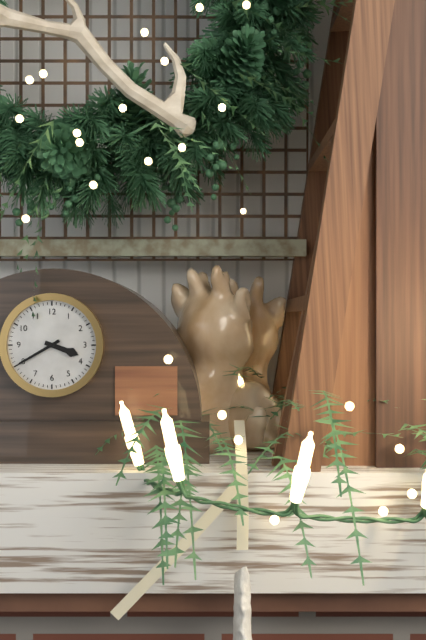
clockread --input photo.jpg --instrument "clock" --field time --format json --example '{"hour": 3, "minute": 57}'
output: {"hour": 3, "minute": 40}
